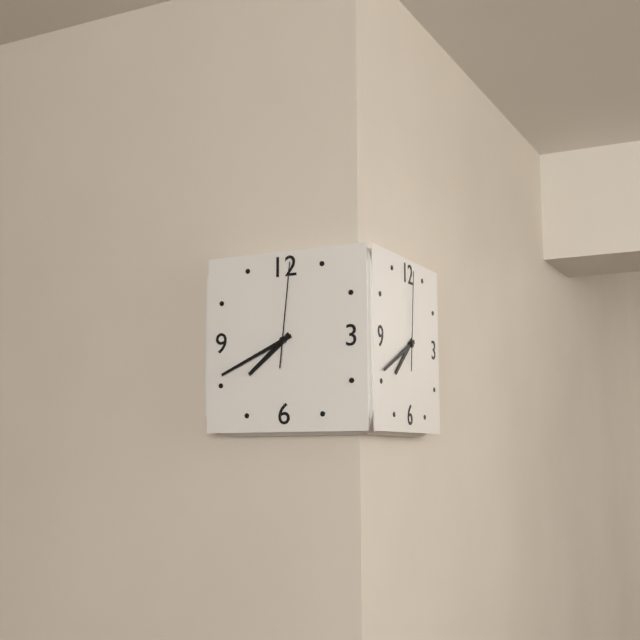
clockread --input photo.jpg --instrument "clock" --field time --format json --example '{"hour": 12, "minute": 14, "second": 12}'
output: {"hour": 7, "minute": 41, "second": 1}
